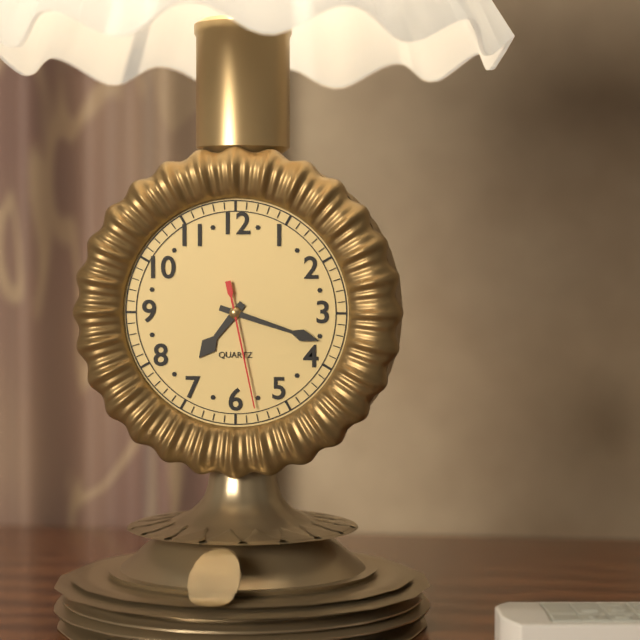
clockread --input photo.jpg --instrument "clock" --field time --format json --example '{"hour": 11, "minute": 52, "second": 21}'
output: {"hour": 7, "minute": 18, "second": 28}
